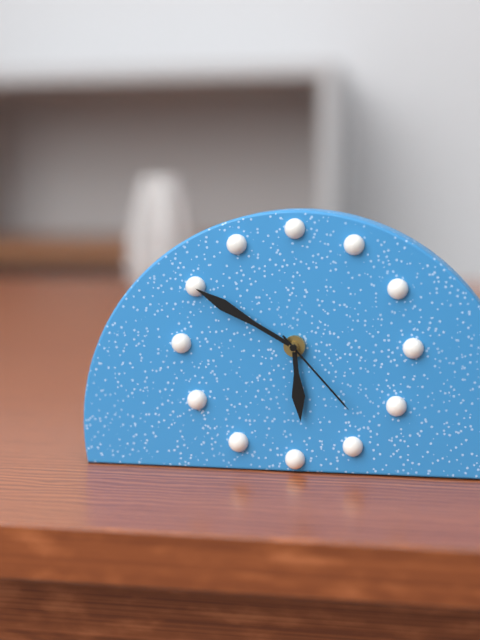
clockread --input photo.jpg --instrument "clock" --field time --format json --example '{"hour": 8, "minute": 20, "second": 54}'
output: {"hour": 5, "minute": 50, "second": 23}
